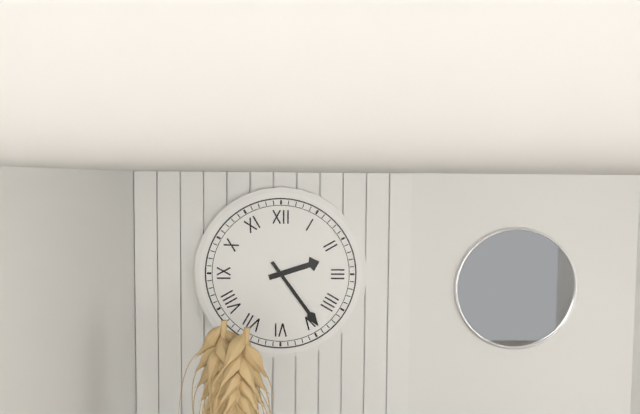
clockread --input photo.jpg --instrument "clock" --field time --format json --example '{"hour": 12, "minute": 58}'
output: {"hour": 2, "minute": 24}
